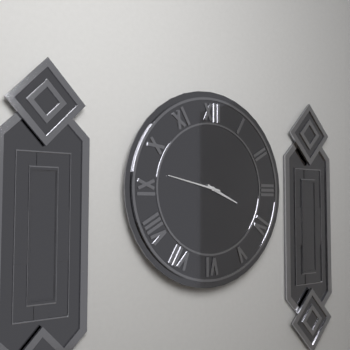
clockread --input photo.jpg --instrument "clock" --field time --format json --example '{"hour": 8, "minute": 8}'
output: {"hour": 3, "minute": 47}
